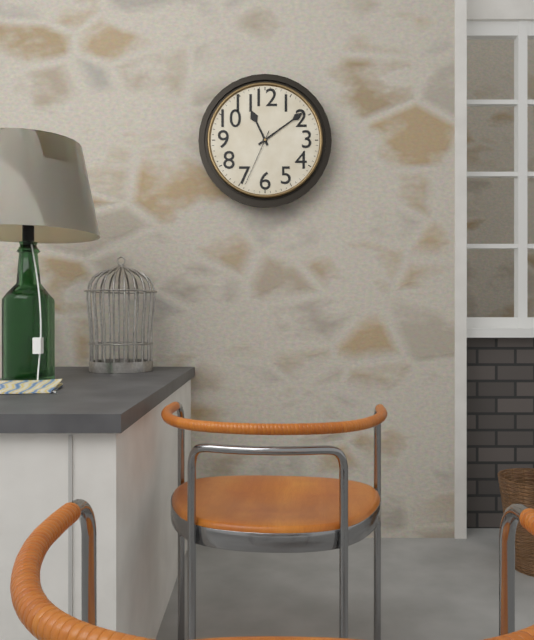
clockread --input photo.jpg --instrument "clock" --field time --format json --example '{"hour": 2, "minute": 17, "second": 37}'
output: {"hour": 11, "minute": 9, "second": 34}
